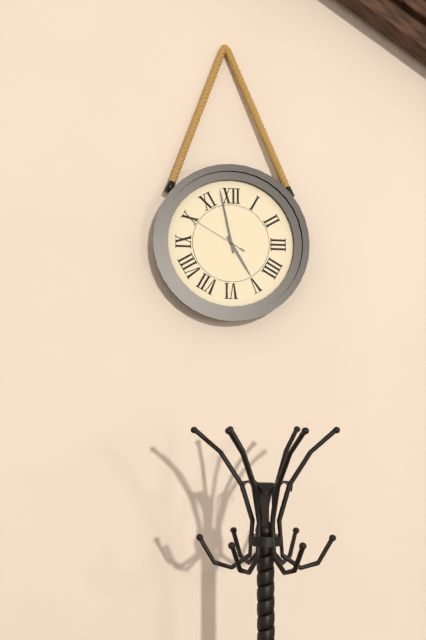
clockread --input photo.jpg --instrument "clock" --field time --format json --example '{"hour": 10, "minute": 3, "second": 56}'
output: {"hour": 4, "minute": 58, "second": 50}
